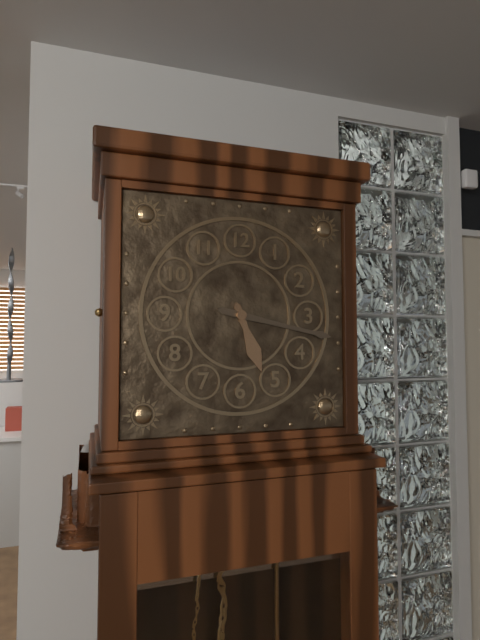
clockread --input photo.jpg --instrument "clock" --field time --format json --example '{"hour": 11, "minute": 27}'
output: {"hour": 5, "minute": 17}
